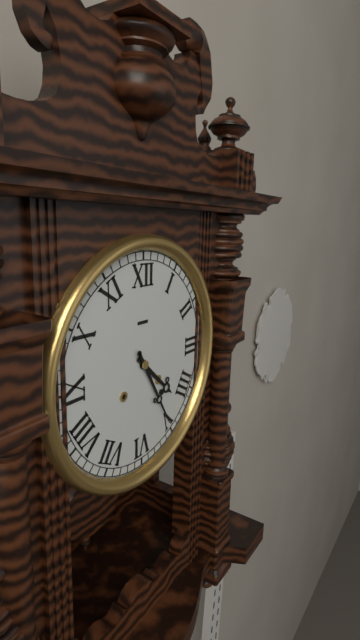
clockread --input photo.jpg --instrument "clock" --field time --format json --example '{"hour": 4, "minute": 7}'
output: {"hour": 4, "minute": 25}
